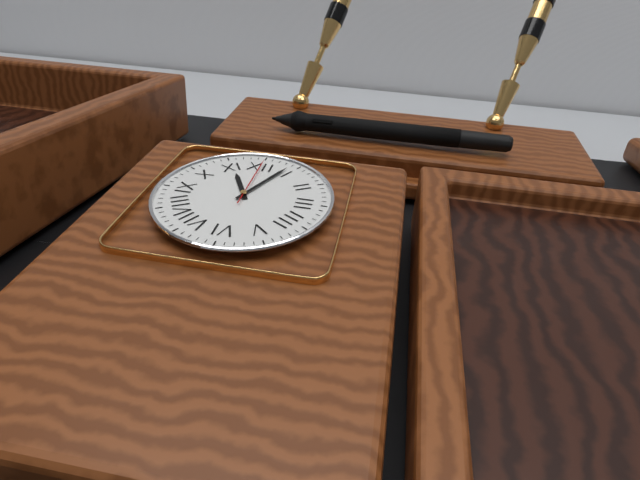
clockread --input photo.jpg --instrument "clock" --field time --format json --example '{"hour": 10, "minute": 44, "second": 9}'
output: {"hour": 11, "minute": 4, "second": 0}
